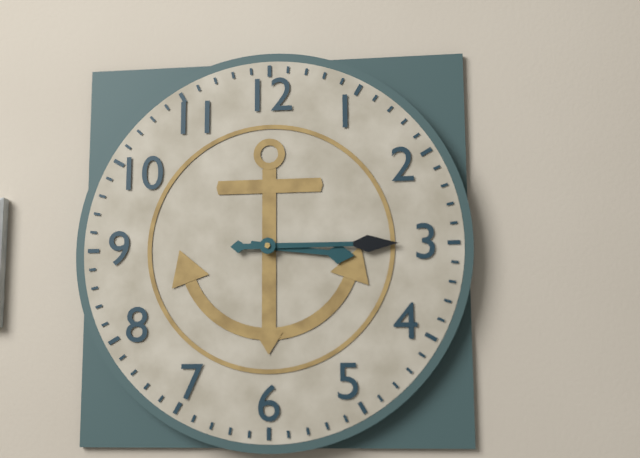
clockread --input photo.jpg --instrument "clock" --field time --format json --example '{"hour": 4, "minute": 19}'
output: {"hour": 3, "minute": 15}
